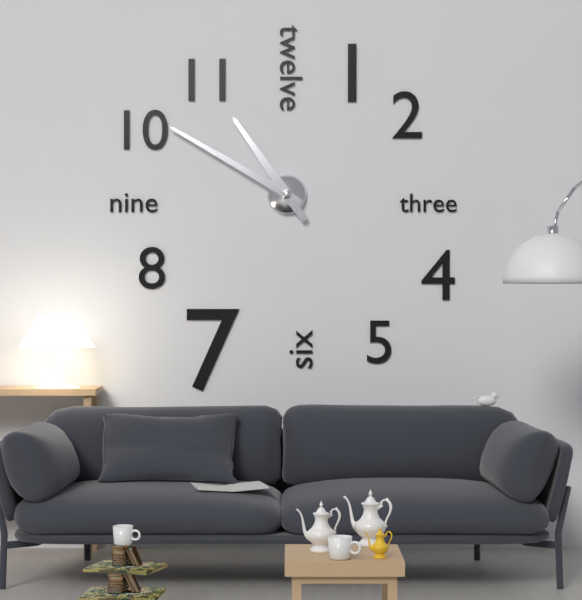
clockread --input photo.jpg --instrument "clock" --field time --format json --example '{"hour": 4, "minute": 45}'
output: {"hour": 10, "minute": 50}
